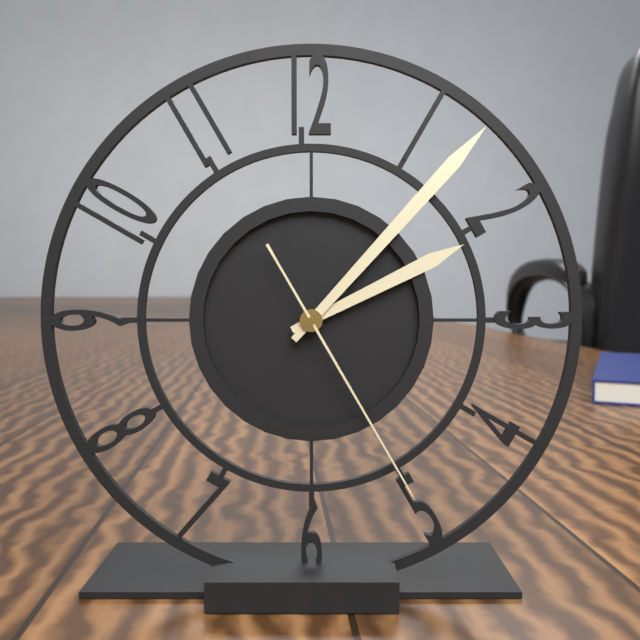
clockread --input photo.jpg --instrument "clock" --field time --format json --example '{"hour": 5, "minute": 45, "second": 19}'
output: {"hour": 2, "minute": 7, "second": 25}
